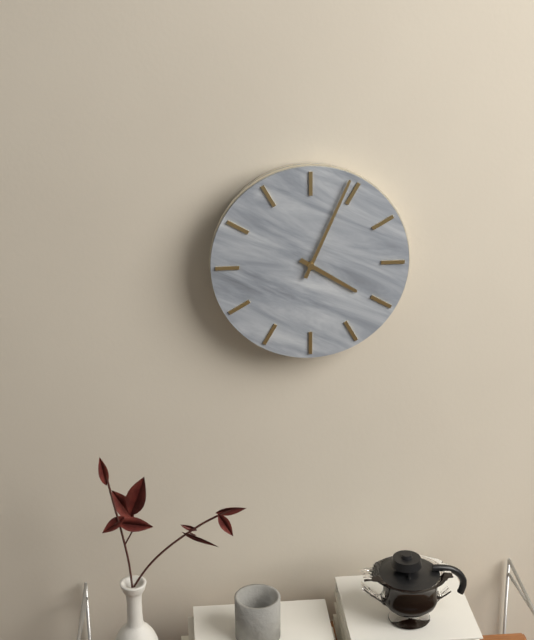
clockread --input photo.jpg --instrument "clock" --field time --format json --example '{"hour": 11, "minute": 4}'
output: {"hour": 4, "minute": 4}
